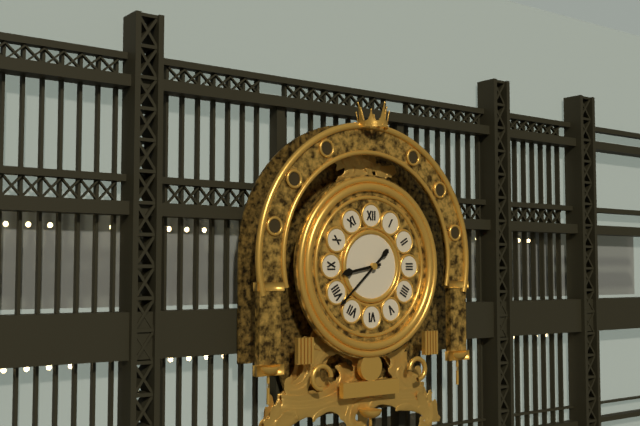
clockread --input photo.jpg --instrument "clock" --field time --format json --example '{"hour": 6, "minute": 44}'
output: {"hour": 8, "minute": 38}
